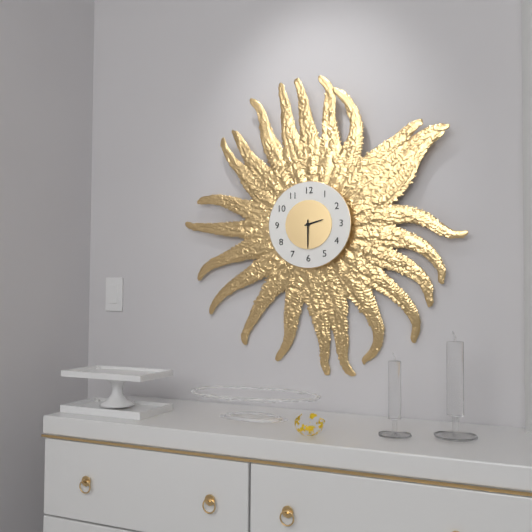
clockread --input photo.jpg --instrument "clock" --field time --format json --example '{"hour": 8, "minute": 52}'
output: {"hour": 2, "minute": 30}
